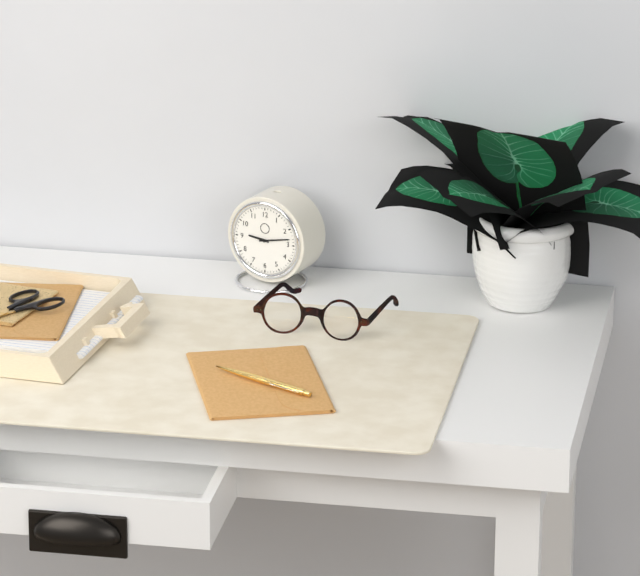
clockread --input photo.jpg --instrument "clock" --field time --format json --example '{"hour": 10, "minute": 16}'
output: {"hour": 9, "minute": 13}
